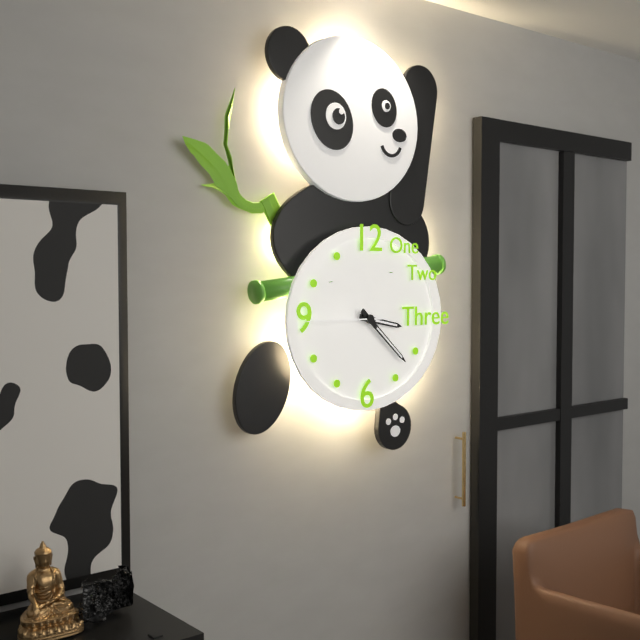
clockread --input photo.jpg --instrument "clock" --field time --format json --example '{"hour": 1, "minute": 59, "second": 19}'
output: {"hour": 3, "minute": 22, "second": 45}
